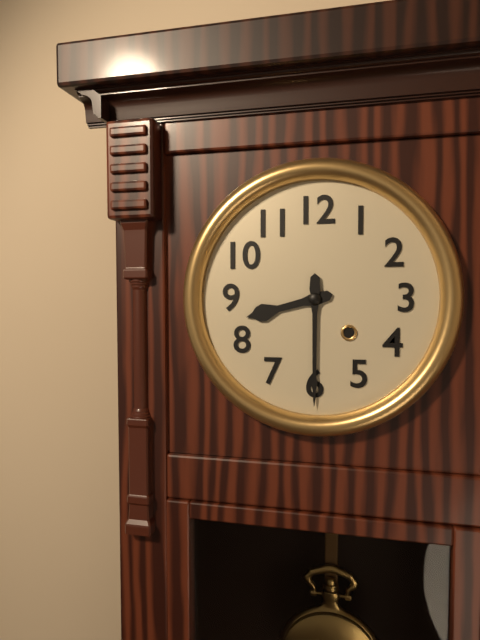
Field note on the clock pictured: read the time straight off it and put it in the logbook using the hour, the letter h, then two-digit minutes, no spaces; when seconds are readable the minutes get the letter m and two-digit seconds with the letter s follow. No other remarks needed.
8h30
